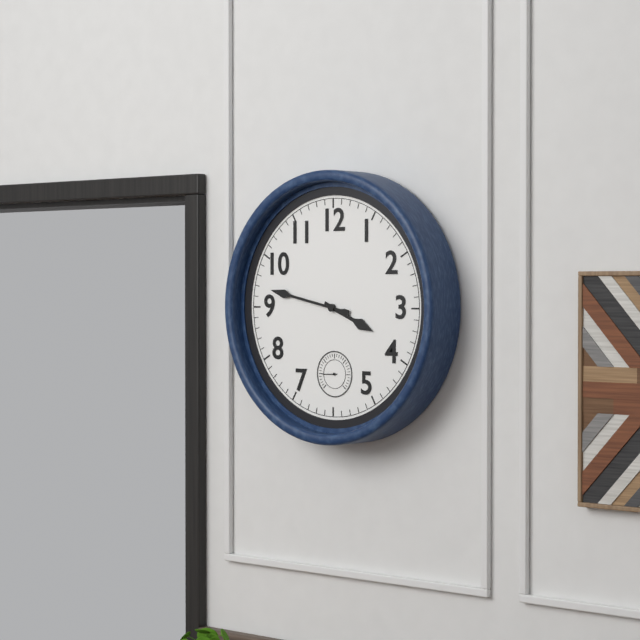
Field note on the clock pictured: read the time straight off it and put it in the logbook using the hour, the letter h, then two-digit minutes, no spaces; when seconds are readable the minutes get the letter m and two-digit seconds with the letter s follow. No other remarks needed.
3h47
